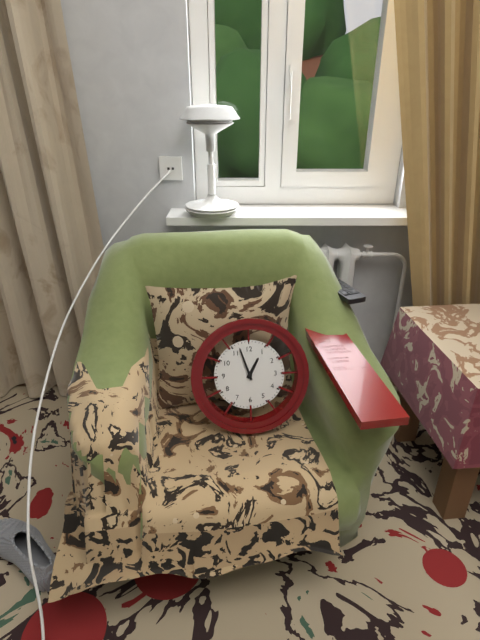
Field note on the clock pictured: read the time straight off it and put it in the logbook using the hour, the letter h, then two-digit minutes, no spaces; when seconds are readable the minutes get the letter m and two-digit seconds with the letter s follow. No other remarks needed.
12h57
